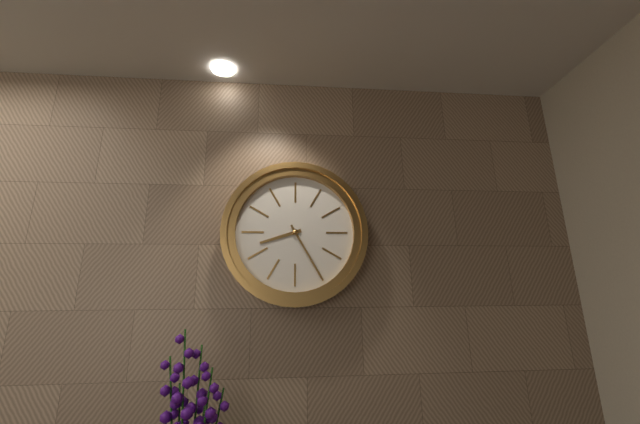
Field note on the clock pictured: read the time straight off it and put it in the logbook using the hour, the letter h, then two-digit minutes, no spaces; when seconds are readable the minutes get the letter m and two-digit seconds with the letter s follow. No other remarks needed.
8h25
